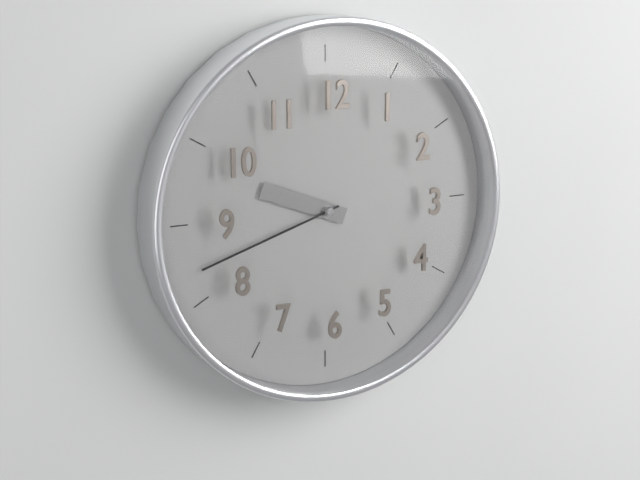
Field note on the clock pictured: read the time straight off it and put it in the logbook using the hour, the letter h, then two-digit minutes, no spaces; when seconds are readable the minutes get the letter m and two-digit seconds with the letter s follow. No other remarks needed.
9h42
